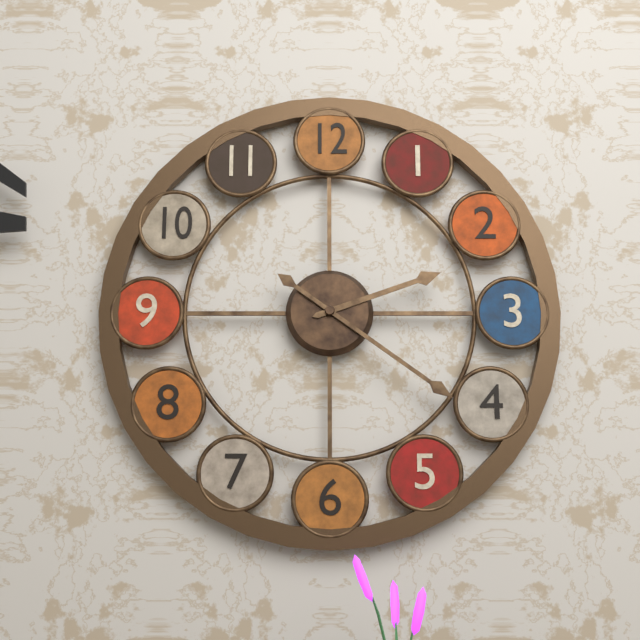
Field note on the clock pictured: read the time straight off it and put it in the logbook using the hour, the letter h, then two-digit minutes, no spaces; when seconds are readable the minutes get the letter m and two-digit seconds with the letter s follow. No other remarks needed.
2h21
